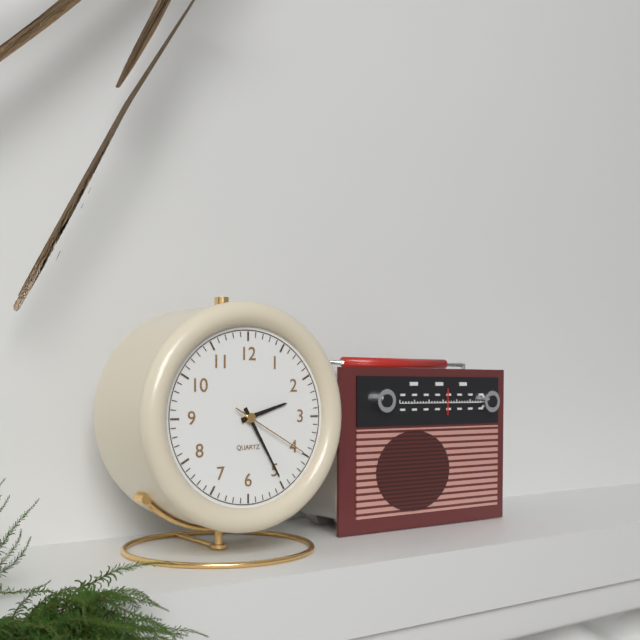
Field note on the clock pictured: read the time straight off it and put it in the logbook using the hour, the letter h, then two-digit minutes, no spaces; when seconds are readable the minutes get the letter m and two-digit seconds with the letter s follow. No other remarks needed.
2h25m20s
